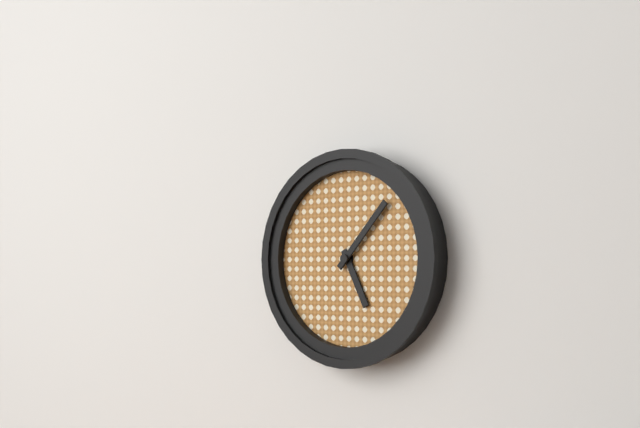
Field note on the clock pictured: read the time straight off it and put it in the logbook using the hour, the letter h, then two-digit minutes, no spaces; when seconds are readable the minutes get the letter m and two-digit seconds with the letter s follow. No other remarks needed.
5h07
